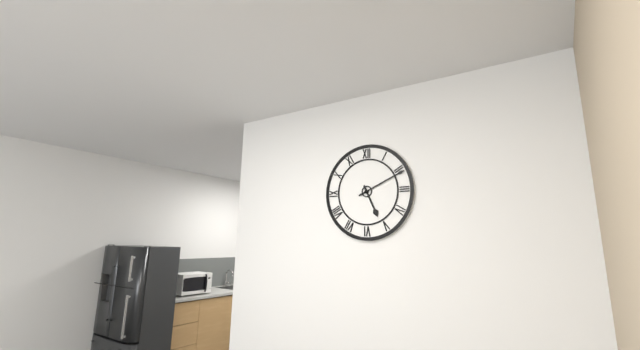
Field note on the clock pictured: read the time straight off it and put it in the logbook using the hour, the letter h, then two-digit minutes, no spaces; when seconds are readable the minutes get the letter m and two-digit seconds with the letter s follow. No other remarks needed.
5h11
